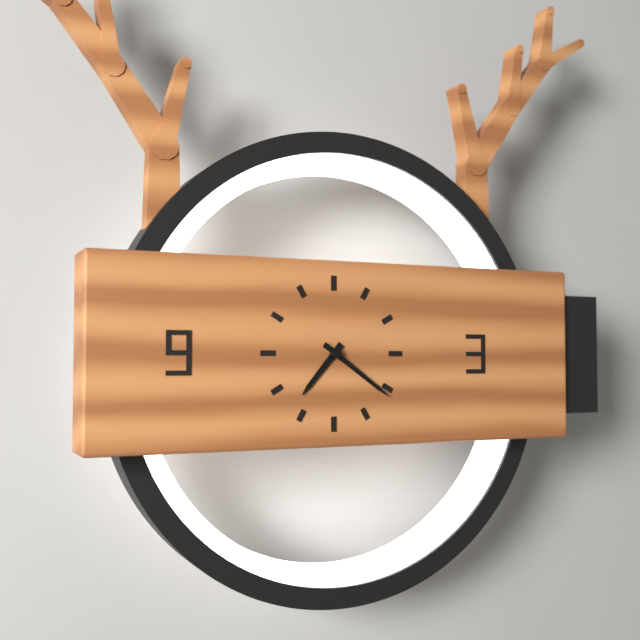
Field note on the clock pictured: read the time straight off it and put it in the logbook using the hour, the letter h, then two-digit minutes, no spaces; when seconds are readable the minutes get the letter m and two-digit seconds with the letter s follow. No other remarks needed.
7h21
